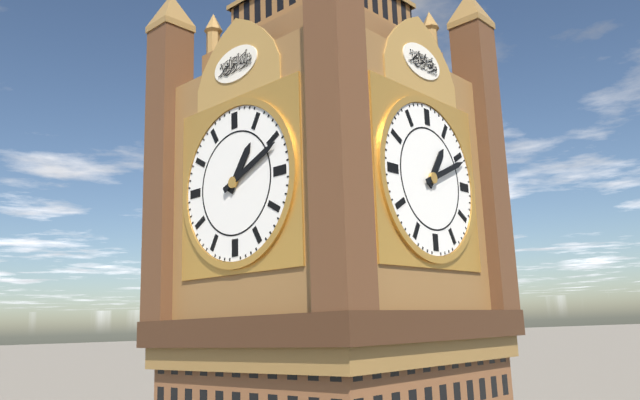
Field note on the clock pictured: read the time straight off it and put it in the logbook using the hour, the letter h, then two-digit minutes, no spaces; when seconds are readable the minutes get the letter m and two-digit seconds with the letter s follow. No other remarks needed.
1h11
